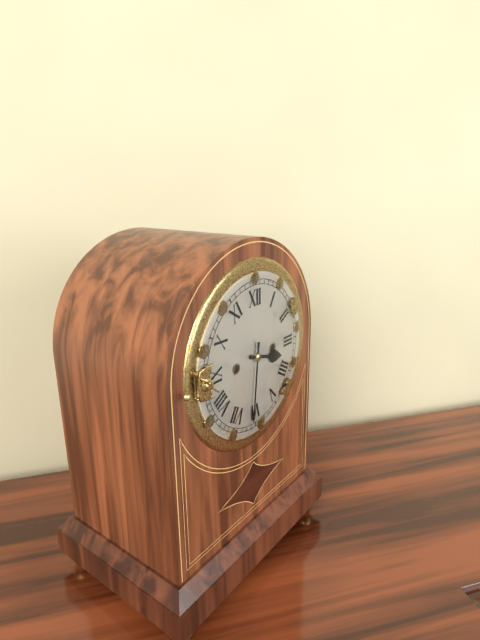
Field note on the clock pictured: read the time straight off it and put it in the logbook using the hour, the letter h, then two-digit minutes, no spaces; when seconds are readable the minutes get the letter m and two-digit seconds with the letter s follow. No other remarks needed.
3h31
